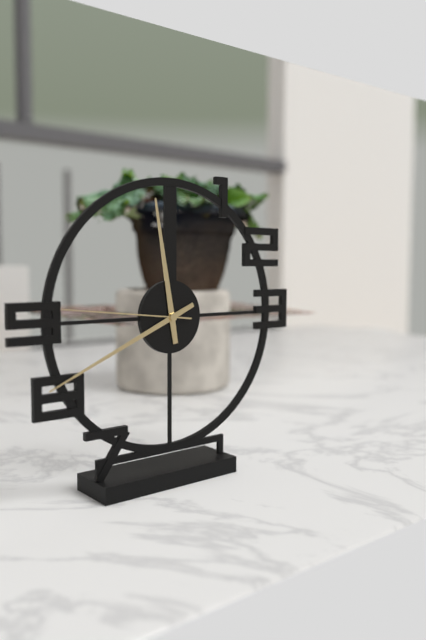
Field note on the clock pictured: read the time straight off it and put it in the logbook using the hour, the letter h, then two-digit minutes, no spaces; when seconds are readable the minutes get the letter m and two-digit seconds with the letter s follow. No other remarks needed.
11h41m46s
